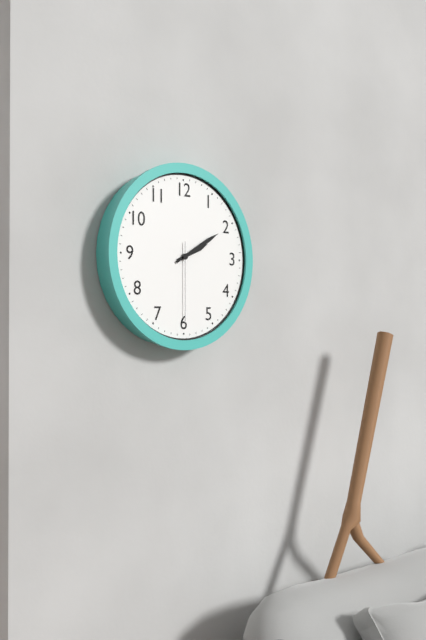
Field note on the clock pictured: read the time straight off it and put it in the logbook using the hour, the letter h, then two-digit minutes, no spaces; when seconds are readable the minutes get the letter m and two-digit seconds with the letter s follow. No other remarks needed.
2h10m30s
